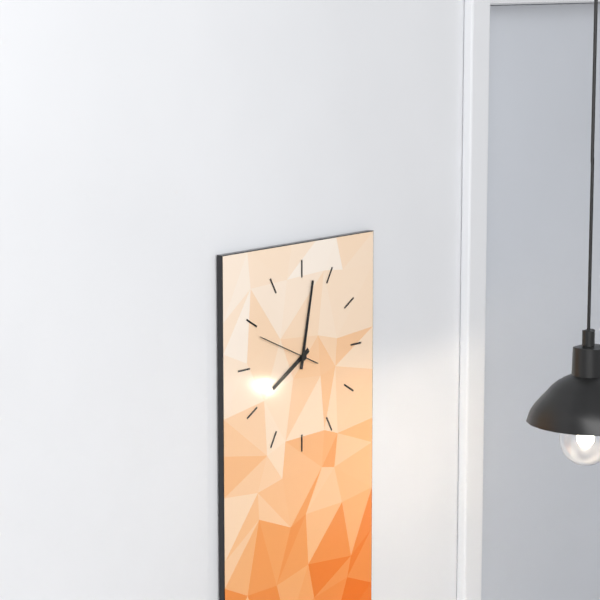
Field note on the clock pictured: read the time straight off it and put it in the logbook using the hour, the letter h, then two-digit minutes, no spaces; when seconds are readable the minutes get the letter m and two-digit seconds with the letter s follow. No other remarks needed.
8h02m49s
